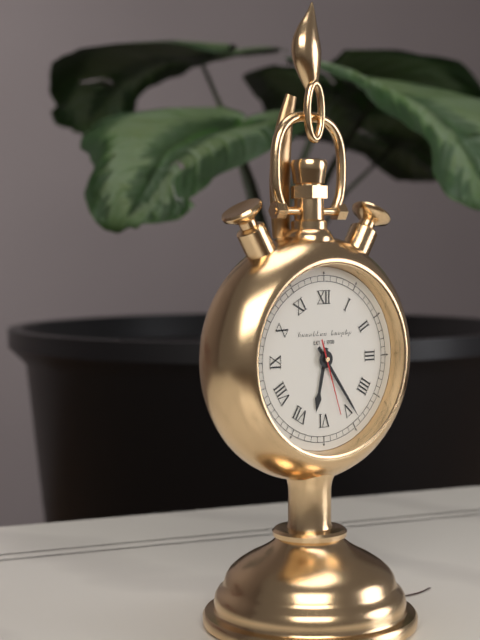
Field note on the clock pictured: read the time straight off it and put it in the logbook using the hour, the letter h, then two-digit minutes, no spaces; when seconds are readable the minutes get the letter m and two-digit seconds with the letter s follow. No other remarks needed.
6h24m27s
